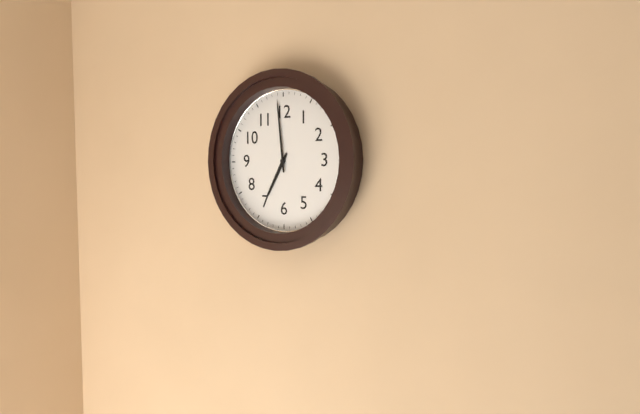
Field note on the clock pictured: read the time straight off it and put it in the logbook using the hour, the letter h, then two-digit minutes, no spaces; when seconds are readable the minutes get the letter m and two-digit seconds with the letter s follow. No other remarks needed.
6h59
